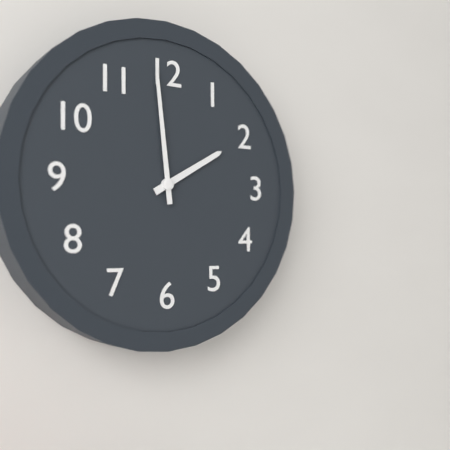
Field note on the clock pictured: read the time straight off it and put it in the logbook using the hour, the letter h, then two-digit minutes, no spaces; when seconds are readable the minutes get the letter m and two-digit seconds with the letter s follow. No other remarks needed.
1h59
